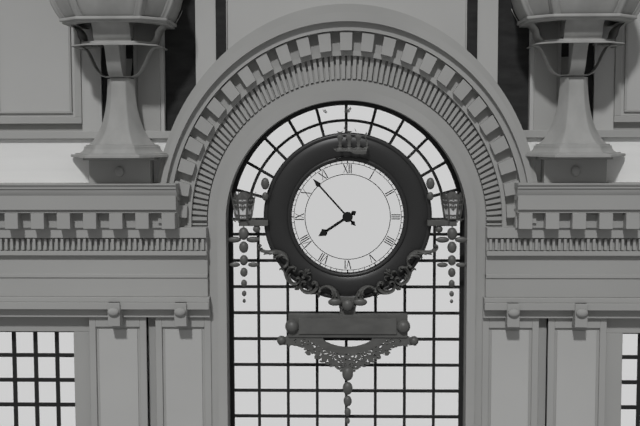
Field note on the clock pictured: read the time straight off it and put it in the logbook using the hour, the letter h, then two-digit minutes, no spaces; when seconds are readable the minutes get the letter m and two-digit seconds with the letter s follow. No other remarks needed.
7h53
